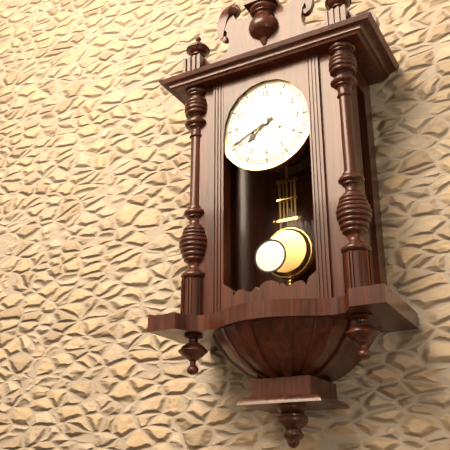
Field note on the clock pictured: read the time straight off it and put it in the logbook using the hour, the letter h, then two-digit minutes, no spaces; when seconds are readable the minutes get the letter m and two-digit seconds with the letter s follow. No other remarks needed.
7h41
